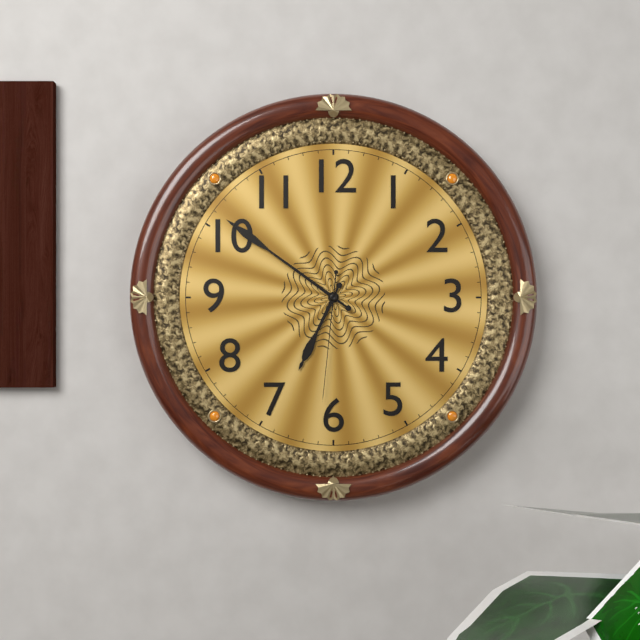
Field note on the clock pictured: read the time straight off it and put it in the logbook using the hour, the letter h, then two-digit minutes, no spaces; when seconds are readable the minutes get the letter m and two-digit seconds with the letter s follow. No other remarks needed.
6h51m31s
